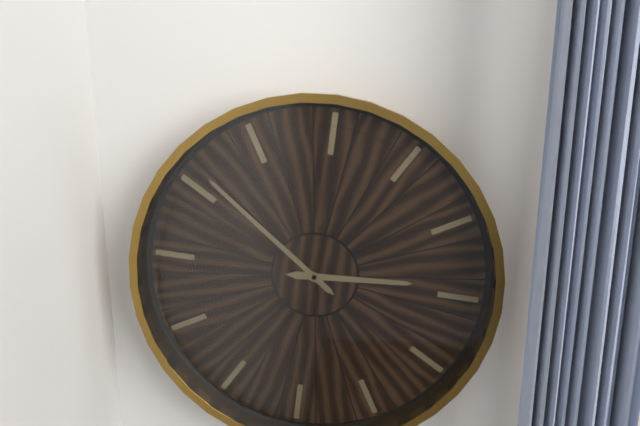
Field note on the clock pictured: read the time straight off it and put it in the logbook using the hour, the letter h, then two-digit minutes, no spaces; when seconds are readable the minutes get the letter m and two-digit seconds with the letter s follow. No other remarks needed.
2h51
